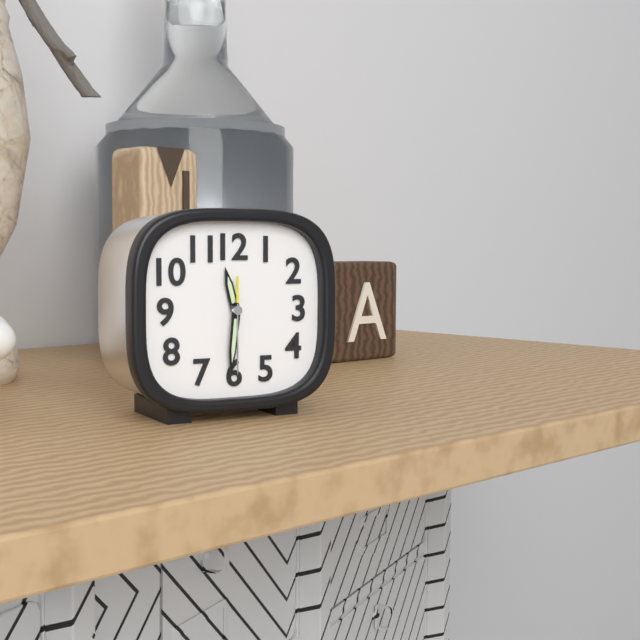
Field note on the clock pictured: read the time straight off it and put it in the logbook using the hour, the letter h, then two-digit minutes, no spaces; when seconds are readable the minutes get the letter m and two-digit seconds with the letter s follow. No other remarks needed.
11h31m30s
